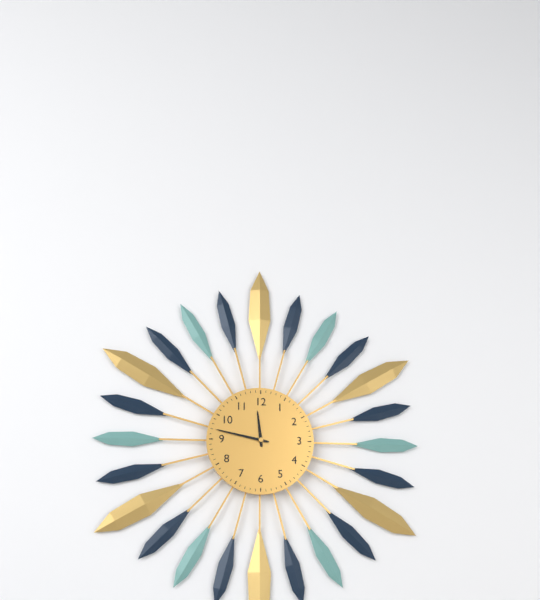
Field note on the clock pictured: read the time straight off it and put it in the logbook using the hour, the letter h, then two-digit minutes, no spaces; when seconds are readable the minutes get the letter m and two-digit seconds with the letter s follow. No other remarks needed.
11h47
